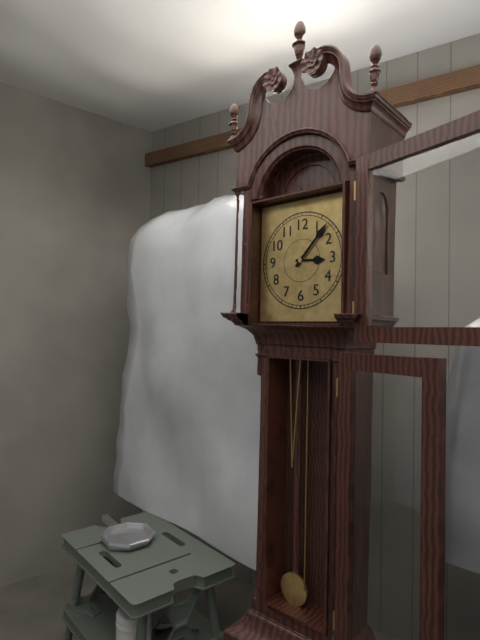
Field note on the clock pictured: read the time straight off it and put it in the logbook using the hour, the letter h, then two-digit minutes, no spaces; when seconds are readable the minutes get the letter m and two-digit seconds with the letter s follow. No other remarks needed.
3h07
